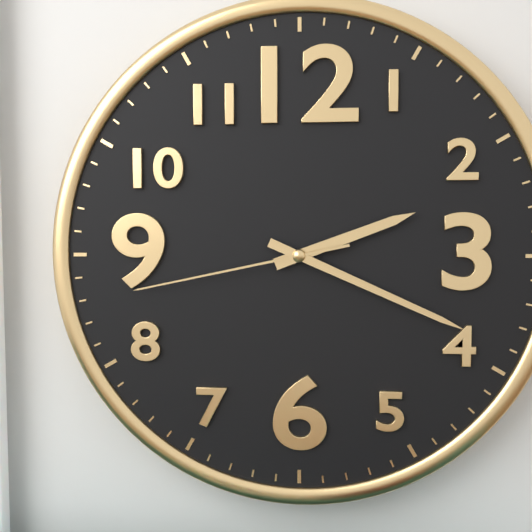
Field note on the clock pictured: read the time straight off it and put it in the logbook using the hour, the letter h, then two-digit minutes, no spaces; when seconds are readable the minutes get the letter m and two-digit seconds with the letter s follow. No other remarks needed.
2h19m43s
